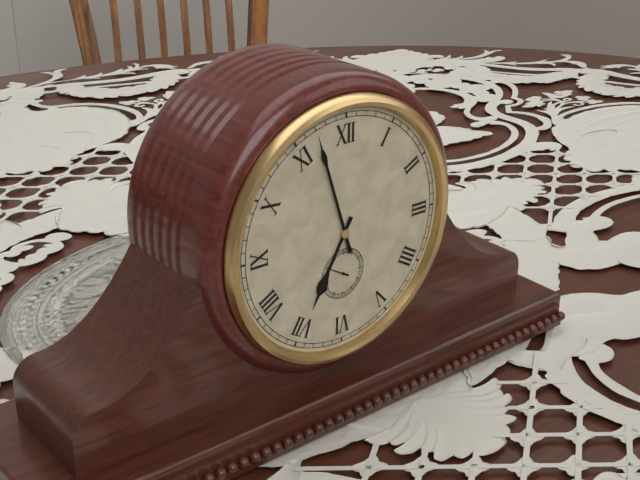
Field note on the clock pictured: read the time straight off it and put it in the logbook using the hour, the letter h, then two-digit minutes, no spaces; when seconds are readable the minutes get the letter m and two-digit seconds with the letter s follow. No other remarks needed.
6h57
